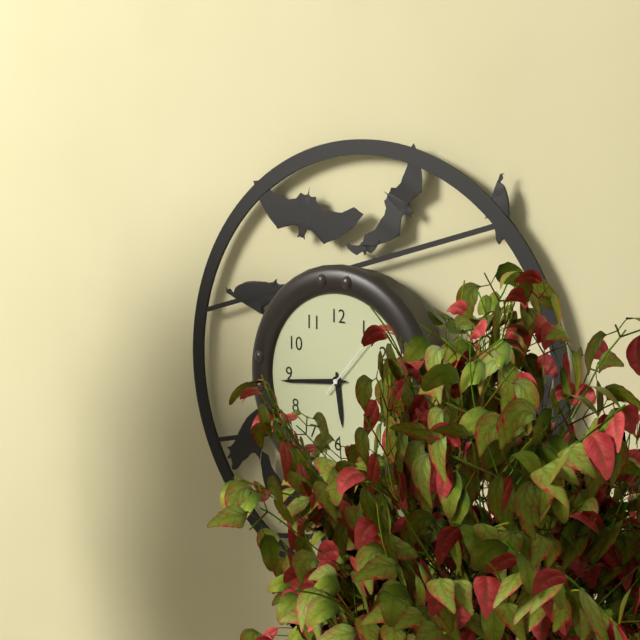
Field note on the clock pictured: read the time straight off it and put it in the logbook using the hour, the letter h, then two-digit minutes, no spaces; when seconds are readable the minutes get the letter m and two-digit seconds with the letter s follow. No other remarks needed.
5h44m07s
